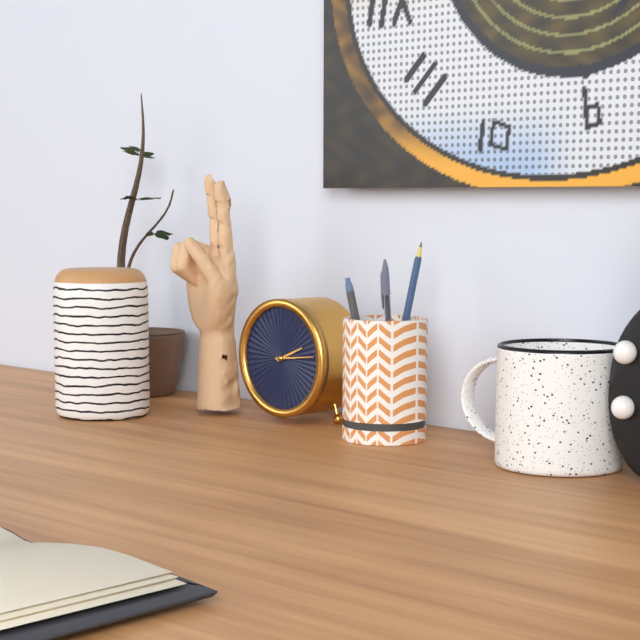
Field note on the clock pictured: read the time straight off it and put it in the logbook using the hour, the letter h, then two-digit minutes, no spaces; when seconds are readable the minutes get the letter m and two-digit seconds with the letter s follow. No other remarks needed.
2h14
